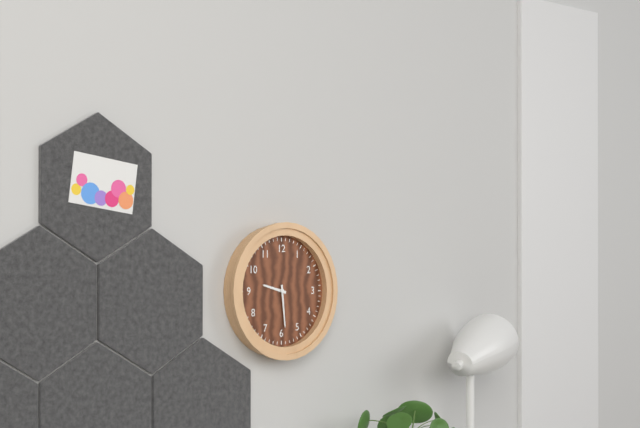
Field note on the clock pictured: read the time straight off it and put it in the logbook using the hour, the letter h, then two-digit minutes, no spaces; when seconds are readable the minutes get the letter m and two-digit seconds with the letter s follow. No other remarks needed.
9h29
